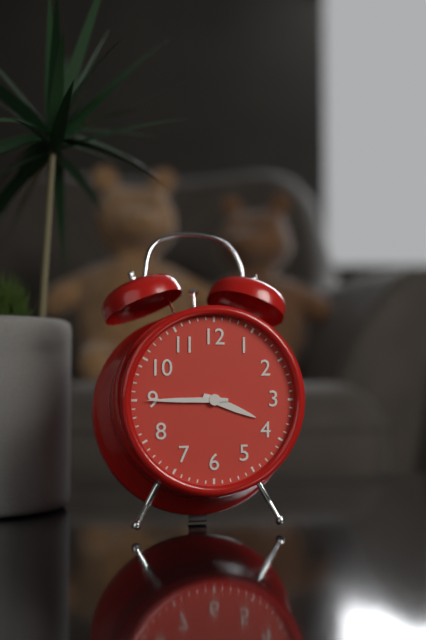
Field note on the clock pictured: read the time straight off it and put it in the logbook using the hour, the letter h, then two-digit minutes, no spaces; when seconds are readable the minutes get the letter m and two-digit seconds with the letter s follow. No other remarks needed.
3h45
